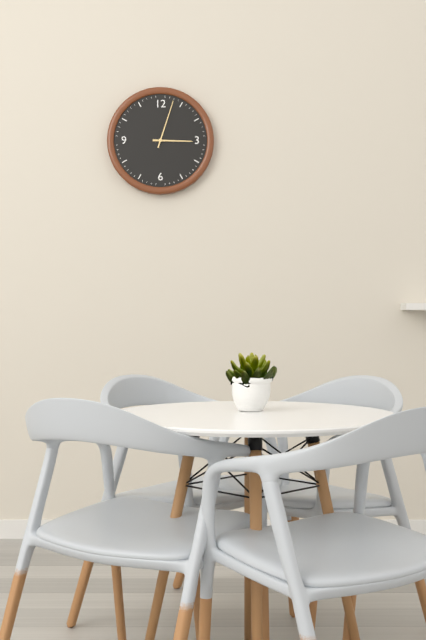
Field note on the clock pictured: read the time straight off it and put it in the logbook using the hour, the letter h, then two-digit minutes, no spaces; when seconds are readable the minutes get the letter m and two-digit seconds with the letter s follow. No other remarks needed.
3h03
